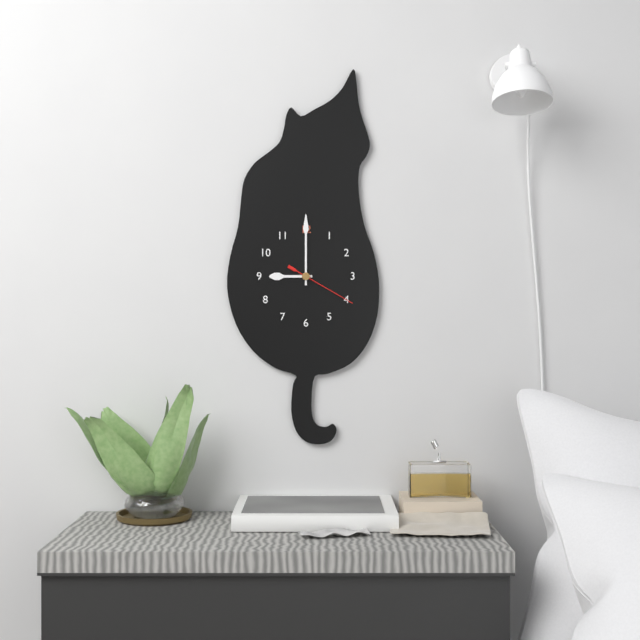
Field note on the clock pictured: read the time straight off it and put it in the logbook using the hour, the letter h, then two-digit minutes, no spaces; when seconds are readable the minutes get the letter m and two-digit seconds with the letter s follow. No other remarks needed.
9h00m20s
